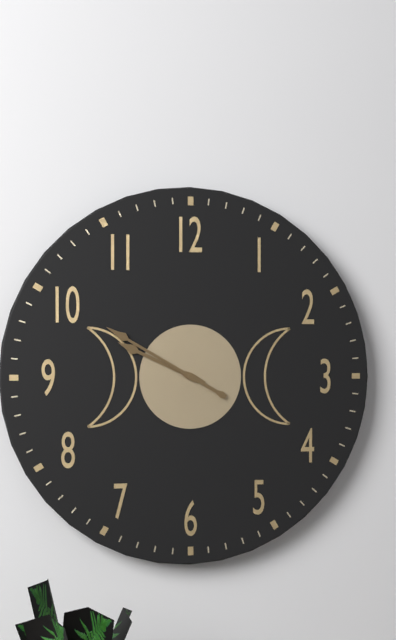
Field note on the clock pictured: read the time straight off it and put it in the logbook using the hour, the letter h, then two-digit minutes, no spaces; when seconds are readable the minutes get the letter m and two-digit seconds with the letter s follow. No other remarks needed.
9h50
